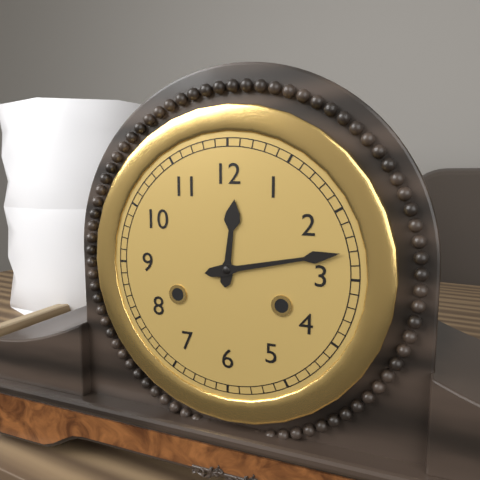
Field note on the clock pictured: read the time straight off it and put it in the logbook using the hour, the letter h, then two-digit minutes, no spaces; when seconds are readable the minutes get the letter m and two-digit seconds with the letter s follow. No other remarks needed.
12h13
